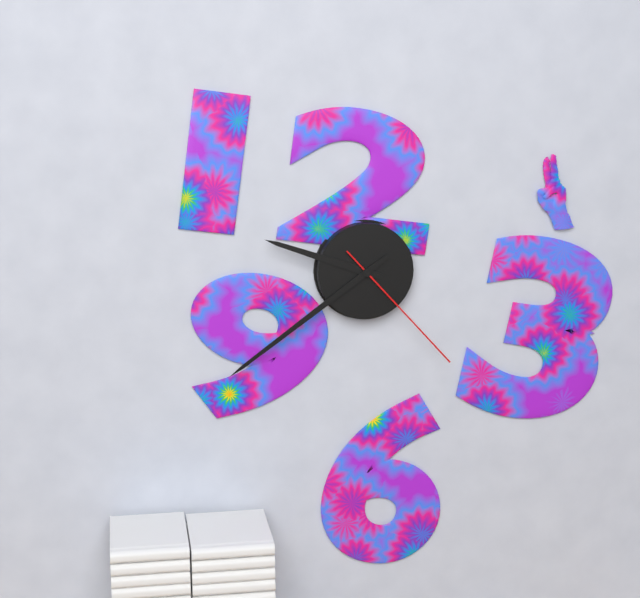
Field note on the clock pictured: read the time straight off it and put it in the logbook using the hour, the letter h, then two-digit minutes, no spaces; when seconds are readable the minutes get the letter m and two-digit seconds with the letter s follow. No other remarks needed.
9h39m23s
